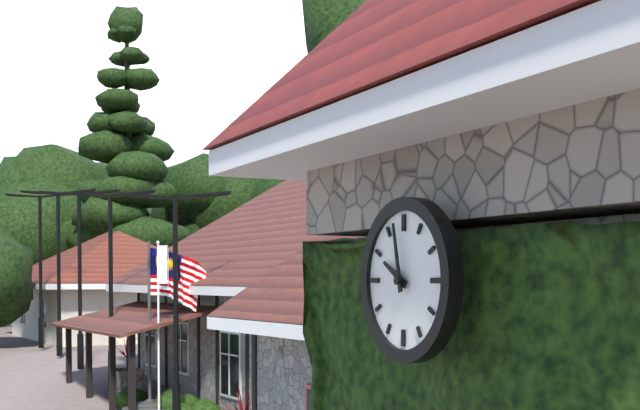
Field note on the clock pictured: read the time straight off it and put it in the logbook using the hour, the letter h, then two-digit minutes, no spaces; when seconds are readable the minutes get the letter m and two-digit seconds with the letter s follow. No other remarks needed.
9h58
